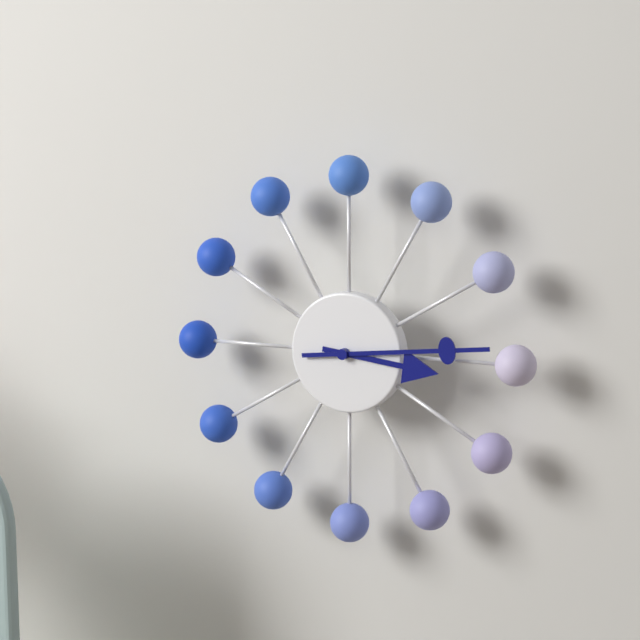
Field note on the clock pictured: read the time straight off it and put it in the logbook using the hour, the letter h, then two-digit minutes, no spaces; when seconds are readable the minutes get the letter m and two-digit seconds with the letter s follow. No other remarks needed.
3h14
